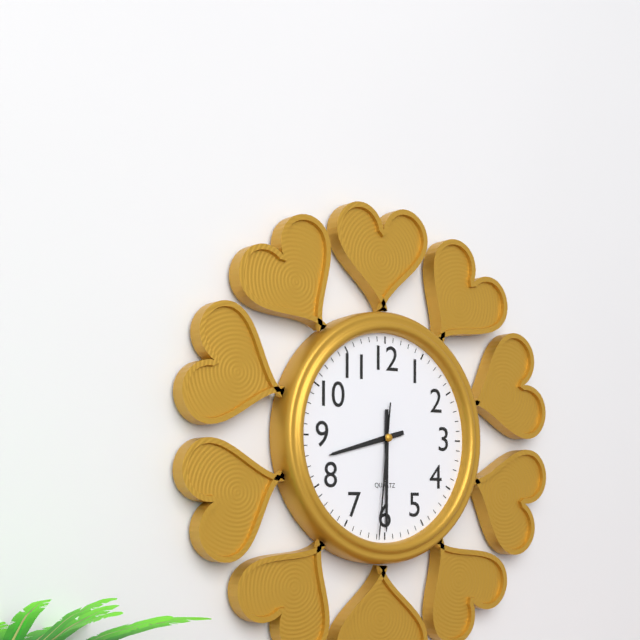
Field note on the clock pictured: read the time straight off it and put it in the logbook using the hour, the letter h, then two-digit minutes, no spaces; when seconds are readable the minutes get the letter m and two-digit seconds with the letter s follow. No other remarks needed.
8h30m31s
